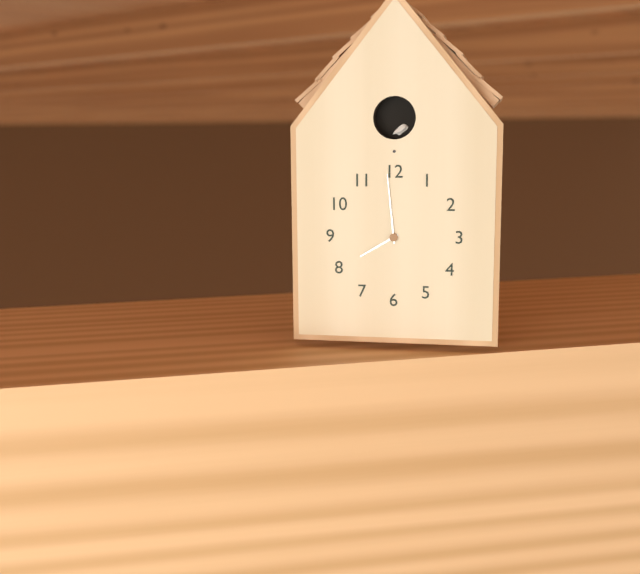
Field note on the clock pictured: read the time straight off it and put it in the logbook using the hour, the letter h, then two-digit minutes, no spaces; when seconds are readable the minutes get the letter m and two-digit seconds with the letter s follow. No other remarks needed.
7h59
